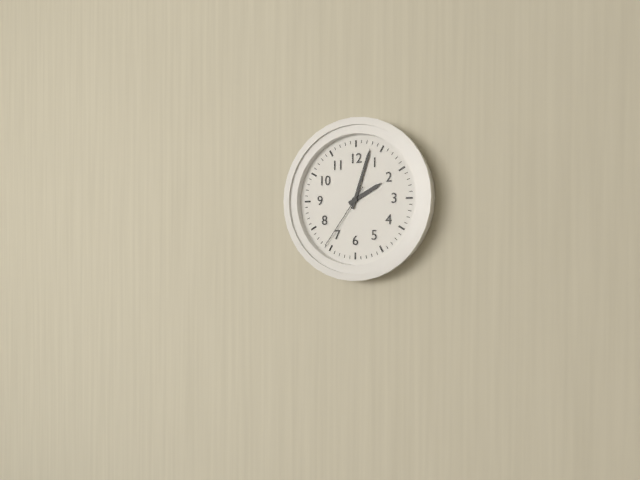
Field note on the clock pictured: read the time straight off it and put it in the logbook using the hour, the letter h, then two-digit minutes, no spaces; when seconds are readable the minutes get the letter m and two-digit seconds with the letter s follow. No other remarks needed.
2h03m36s
